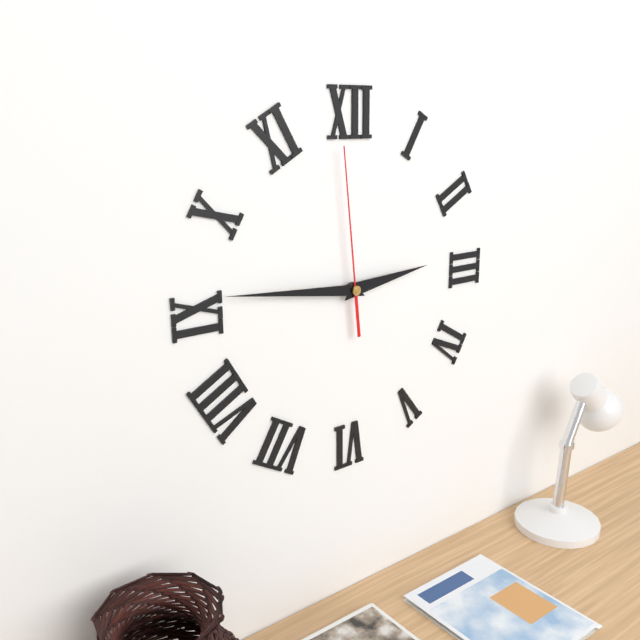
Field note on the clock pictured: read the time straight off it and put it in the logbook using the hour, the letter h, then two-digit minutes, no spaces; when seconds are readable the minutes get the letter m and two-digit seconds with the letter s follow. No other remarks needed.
2h46m59s
